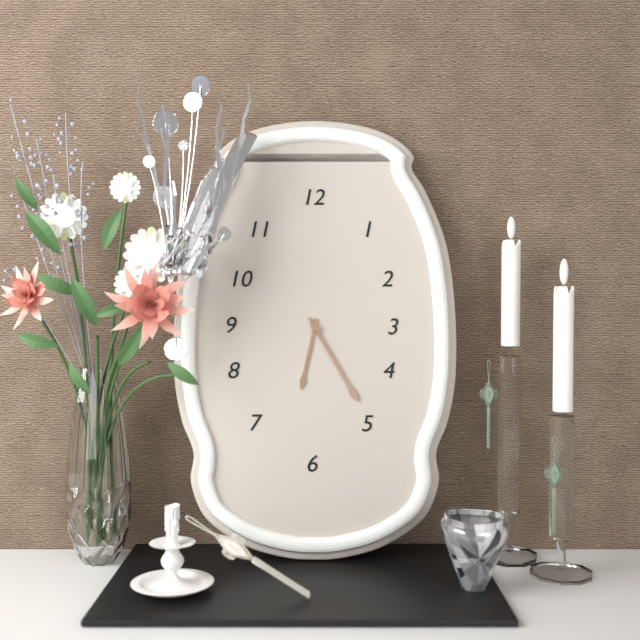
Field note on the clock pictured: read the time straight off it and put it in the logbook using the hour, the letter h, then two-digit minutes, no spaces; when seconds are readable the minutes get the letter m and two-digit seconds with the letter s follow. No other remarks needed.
6h25
